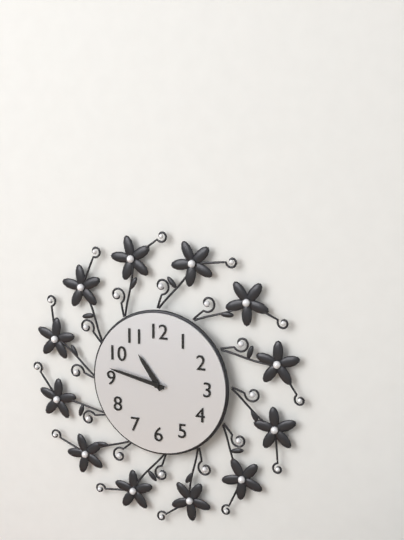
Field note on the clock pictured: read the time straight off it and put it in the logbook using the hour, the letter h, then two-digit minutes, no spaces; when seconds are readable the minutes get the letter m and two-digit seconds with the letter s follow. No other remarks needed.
10h47
